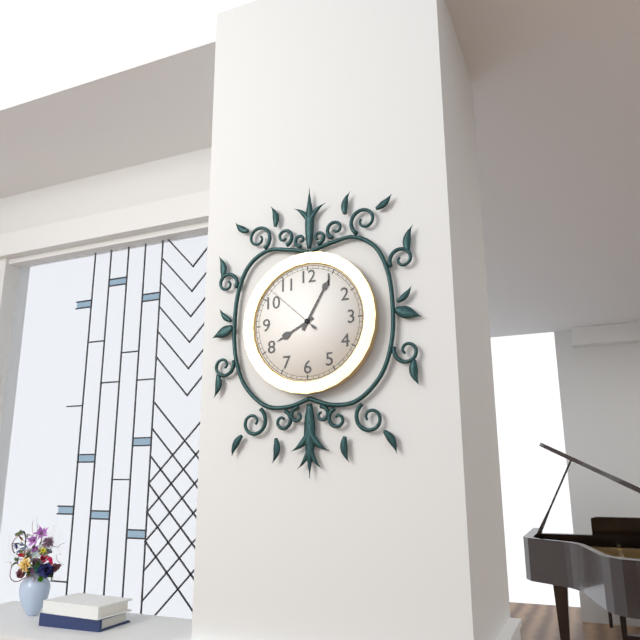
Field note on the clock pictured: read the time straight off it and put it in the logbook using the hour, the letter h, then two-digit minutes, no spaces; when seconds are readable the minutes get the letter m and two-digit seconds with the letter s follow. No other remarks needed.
8h05m52s
